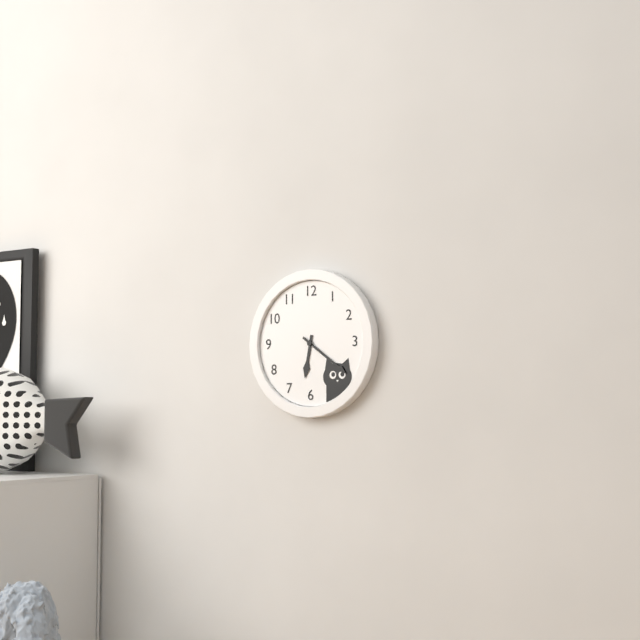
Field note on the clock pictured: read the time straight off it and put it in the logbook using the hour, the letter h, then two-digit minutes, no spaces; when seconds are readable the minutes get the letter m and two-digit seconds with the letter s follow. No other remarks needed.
6h21
